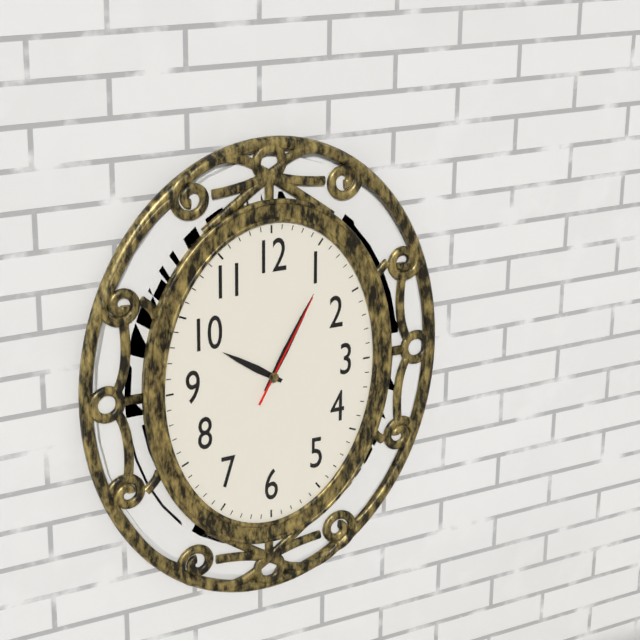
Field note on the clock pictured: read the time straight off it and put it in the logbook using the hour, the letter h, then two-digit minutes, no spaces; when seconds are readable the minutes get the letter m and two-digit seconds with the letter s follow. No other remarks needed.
10h05m05s
